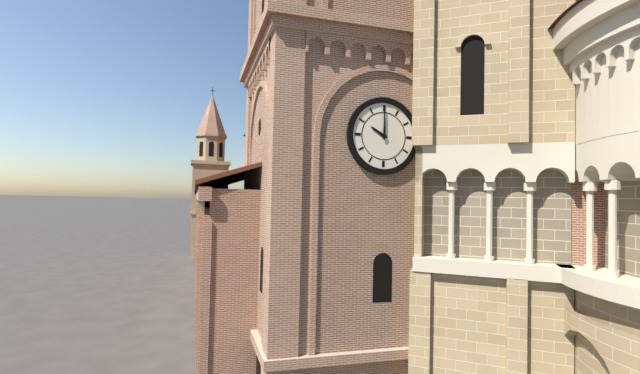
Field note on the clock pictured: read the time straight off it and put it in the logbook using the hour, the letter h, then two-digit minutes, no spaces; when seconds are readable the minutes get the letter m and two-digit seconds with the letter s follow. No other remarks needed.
10h00
